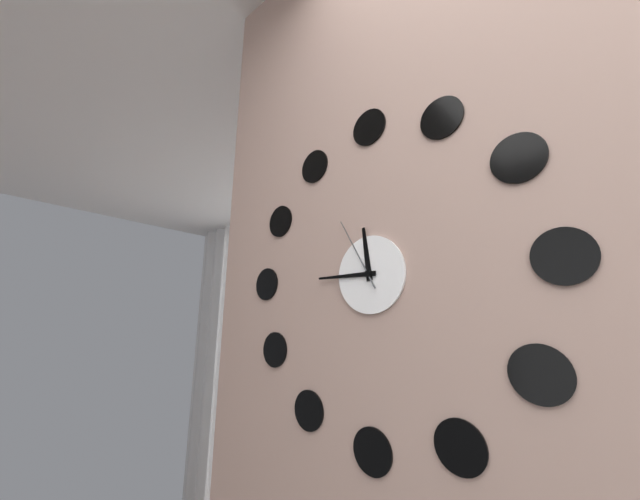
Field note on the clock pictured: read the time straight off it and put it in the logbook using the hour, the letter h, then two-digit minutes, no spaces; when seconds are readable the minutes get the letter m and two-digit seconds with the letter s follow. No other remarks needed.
11h45m55s
